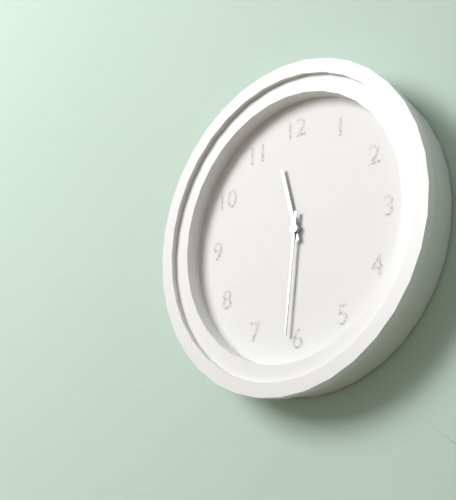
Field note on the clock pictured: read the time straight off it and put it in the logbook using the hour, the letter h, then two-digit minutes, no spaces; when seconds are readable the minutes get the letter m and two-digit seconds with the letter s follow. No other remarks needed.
11h31
